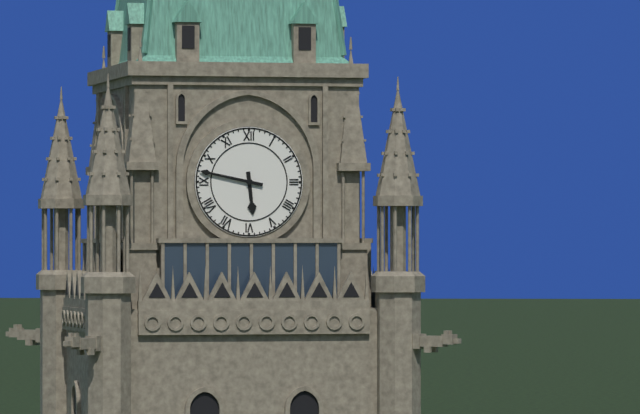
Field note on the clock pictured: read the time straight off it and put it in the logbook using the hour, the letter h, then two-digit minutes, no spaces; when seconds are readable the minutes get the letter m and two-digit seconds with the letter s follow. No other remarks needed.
5h47
